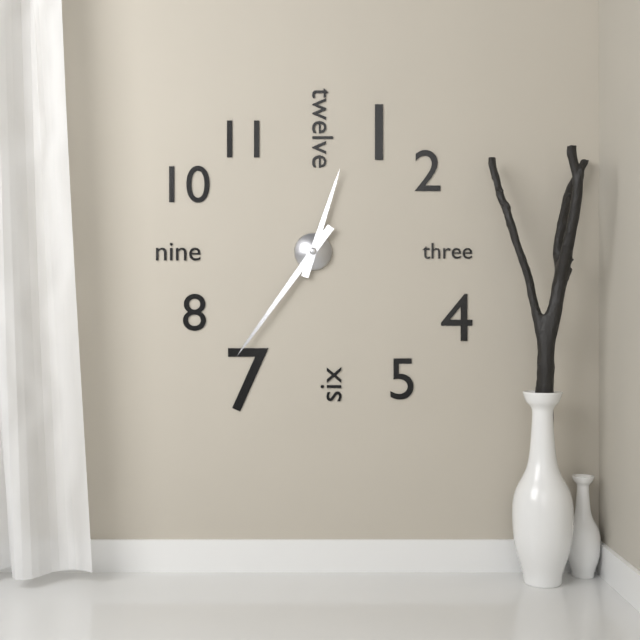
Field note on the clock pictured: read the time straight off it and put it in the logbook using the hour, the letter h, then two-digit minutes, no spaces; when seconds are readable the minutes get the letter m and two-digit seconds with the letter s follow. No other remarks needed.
12h36
